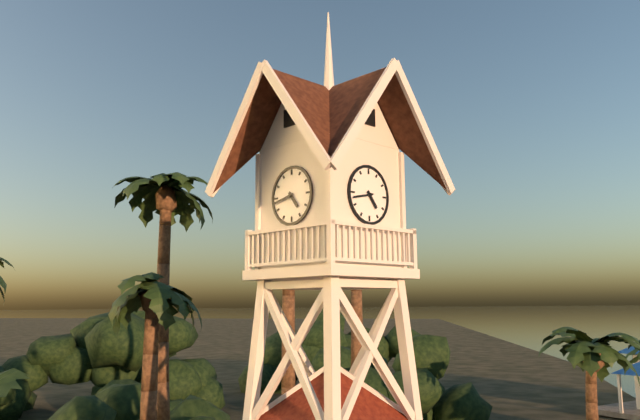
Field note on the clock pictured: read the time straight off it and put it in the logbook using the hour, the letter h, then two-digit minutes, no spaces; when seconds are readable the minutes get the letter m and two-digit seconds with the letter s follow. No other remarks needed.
4h43
